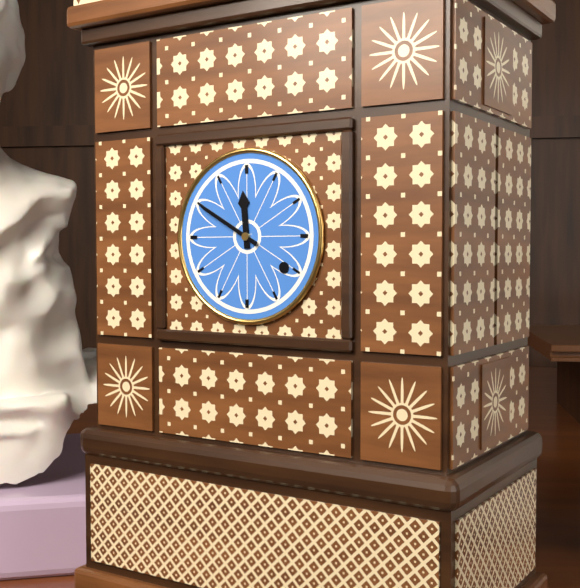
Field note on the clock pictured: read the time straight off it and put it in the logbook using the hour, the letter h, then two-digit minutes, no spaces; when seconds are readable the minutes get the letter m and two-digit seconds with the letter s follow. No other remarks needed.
11h50
